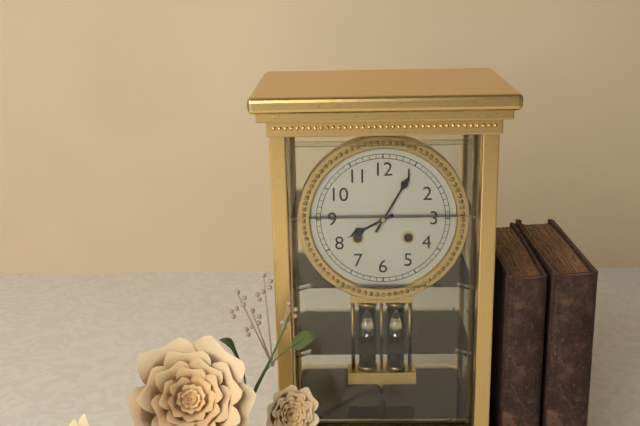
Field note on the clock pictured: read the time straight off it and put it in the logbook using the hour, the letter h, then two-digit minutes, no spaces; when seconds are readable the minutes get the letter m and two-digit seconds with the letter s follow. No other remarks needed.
8h05
